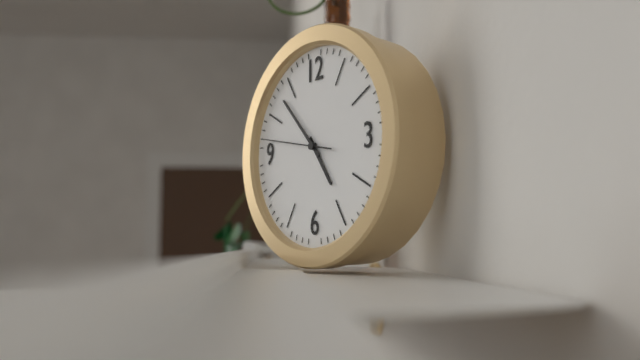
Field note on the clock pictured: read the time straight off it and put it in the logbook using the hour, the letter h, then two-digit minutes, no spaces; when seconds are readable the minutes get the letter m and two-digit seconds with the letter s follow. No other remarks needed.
4h53m47s
